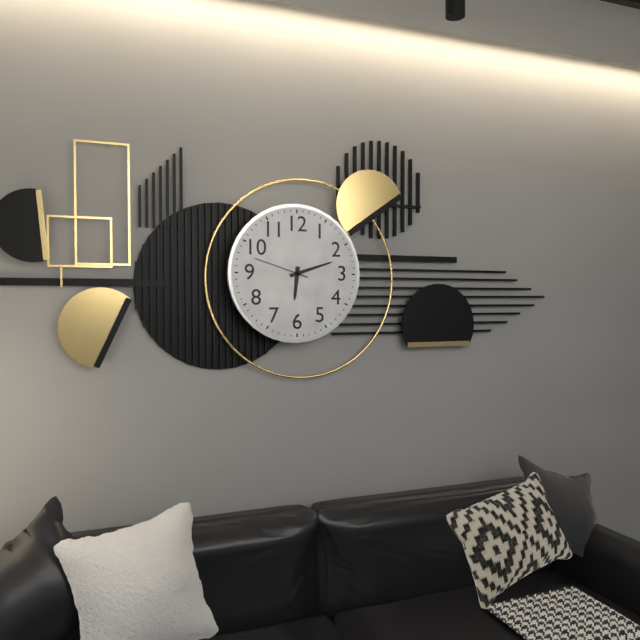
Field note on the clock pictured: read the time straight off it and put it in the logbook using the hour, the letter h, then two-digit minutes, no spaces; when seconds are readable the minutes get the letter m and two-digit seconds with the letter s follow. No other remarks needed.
6h12m48s
